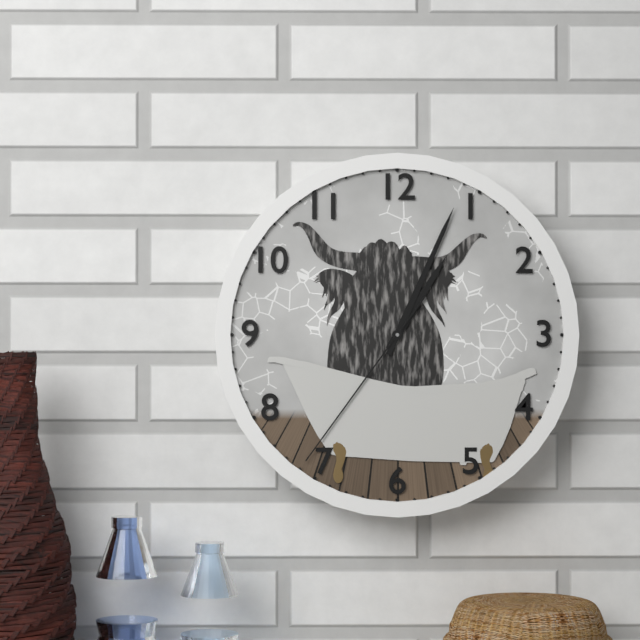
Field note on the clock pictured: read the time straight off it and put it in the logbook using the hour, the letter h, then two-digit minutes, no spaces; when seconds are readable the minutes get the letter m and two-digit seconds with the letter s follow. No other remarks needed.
1h04m36s
